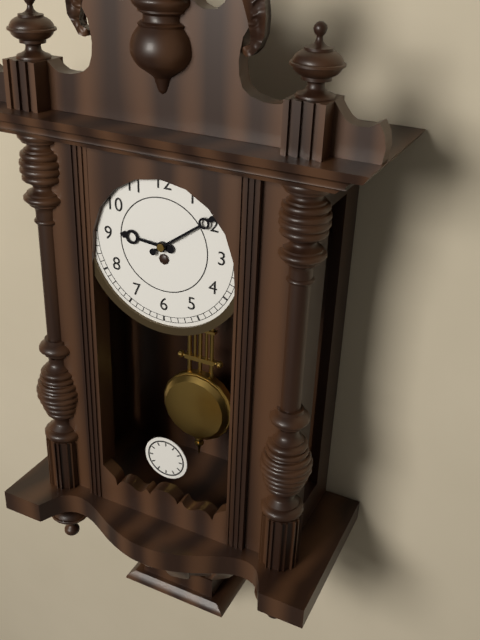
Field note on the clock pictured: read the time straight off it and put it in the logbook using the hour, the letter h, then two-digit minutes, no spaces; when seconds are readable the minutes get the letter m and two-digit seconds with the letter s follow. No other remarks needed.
9h09
